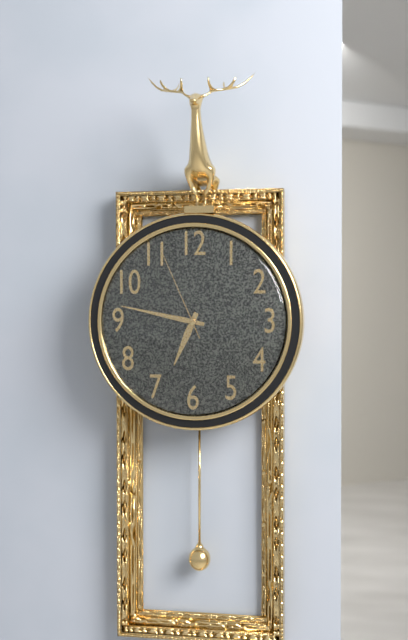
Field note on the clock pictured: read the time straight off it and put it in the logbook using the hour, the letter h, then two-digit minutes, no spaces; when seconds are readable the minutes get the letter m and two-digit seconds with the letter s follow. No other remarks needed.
6h47m56s
